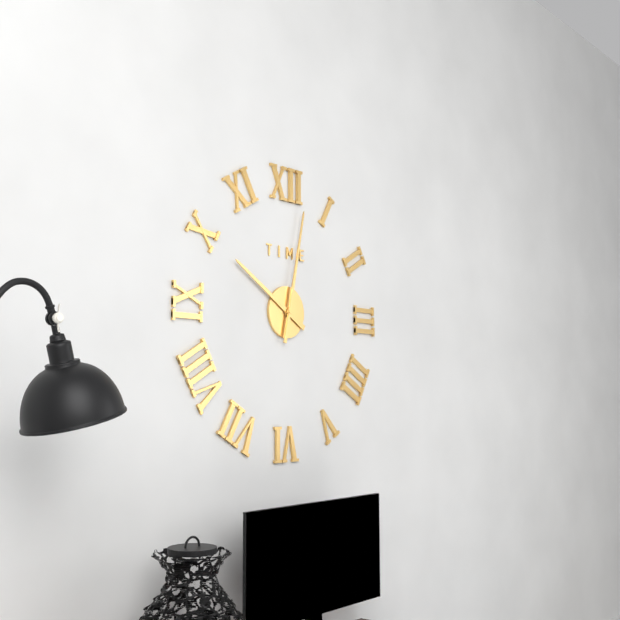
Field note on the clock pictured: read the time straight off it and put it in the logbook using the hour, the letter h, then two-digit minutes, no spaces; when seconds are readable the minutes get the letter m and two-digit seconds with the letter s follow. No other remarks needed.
10h02
